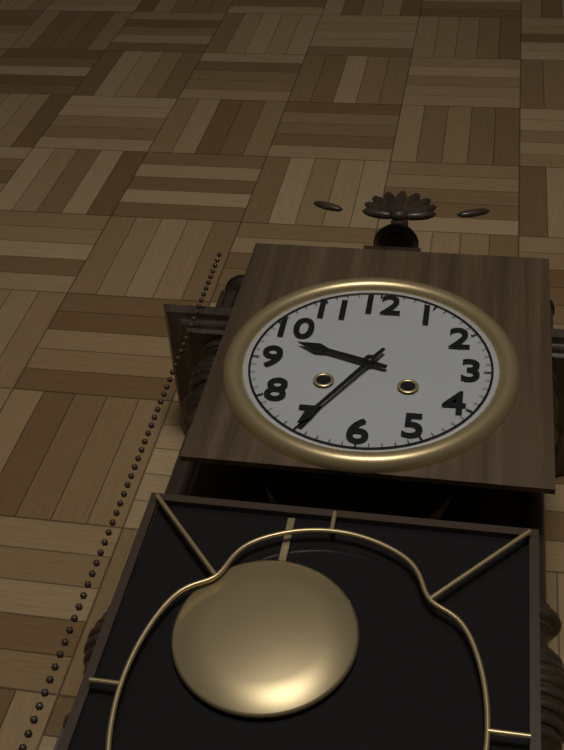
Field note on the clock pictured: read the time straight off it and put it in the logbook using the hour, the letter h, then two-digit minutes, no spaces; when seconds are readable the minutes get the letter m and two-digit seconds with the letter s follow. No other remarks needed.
9h35
